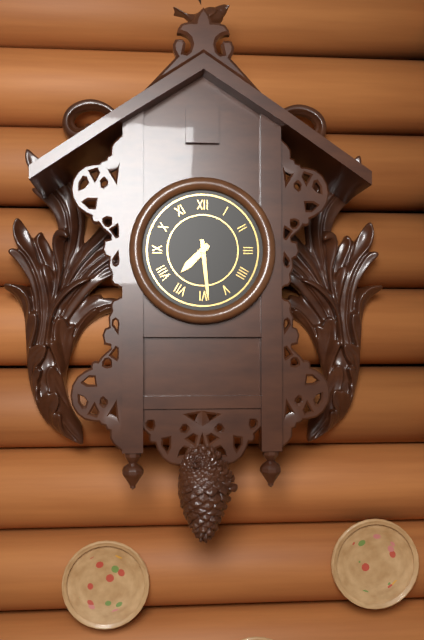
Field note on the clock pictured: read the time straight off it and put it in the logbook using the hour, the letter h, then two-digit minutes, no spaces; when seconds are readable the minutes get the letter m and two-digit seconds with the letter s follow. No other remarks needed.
7h29
